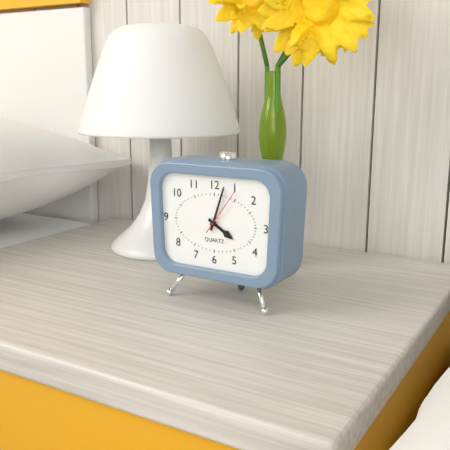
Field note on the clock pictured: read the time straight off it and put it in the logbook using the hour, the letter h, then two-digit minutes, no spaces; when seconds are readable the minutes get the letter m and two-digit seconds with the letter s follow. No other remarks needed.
4h03
